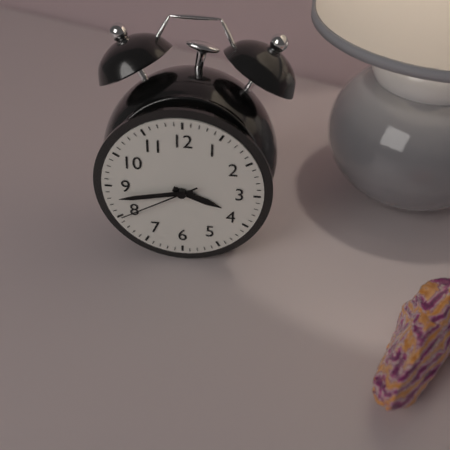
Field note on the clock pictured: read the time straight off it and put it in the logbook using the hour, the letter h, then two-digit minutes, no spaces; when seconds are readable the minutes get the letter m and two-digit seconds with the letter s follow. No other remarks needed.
3h43m40s
